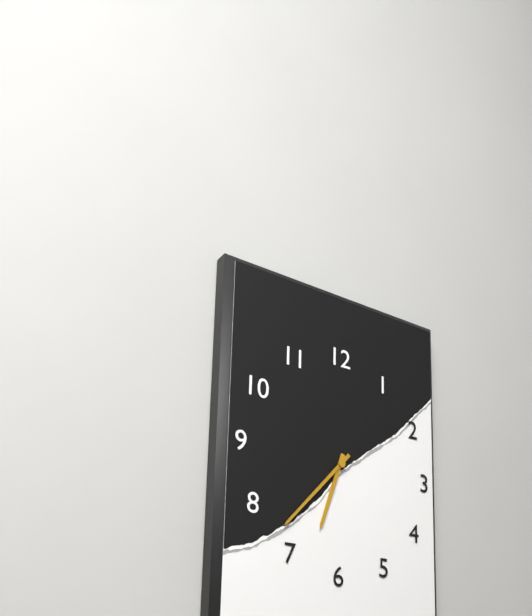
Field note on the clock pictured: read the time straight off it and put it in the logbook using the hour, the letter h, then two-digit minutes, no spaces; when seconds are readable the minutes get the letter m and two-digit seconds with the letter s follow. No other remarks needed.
6h37
